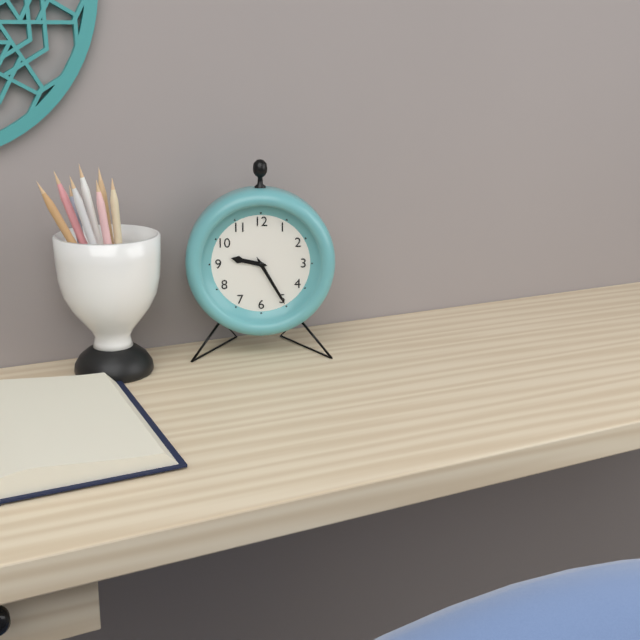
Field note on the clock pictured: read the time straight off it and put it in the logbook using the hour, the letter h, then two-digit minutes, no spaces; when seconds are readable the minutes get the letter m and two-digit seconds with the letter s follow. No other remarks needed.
9h25
